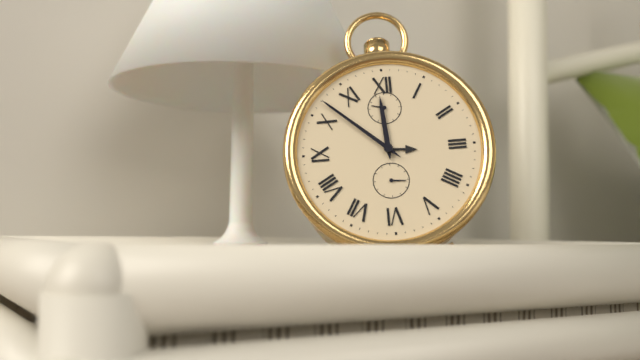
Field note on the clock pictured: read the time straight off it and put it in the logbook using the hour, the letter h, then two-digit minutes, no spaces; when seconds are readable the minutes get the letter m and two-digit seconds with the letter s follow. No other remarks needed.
11h52
